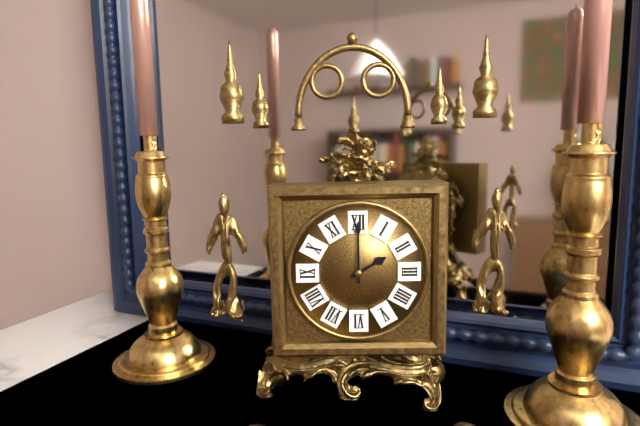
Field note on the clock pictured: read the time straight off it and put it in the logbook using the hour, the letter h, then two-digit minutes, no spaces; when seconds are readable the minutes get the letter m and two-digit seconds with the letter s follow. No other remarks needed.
2h00
